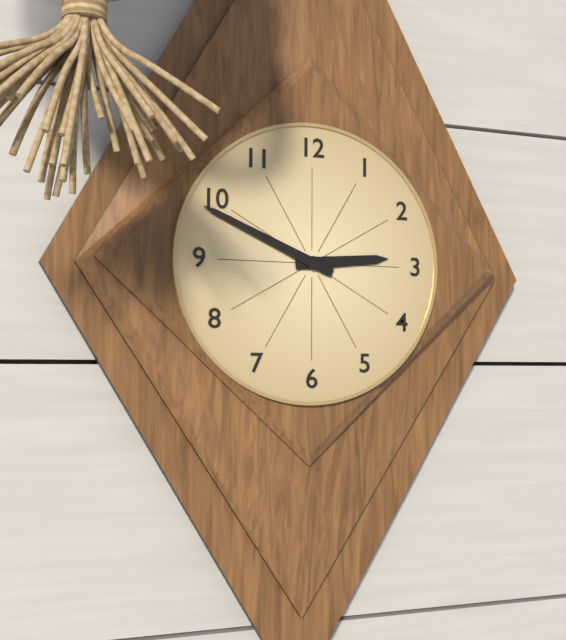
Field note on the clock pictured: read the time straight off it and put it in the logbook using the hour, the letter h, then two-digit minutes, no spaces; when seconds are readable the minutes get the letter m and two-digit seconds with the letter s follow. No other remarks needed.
2h49
